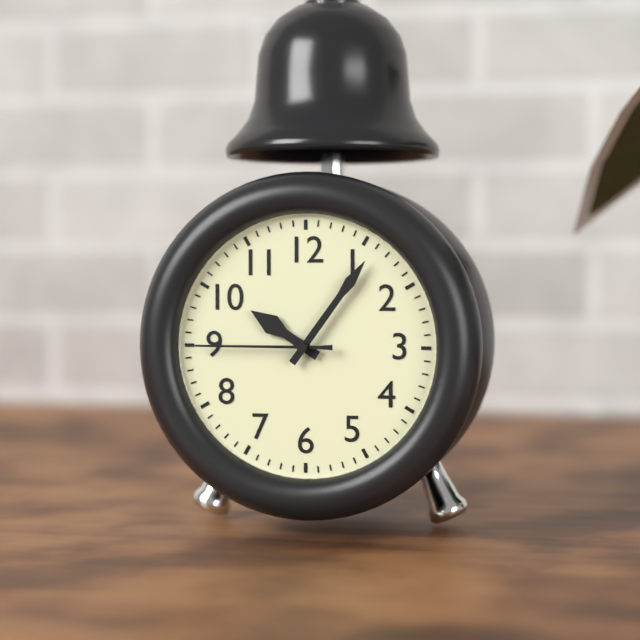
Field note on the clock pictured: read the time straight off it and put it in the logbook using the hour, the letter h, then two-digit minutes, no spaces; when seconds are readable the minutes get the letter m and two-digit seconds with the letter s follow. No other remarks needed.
10h06m45s
